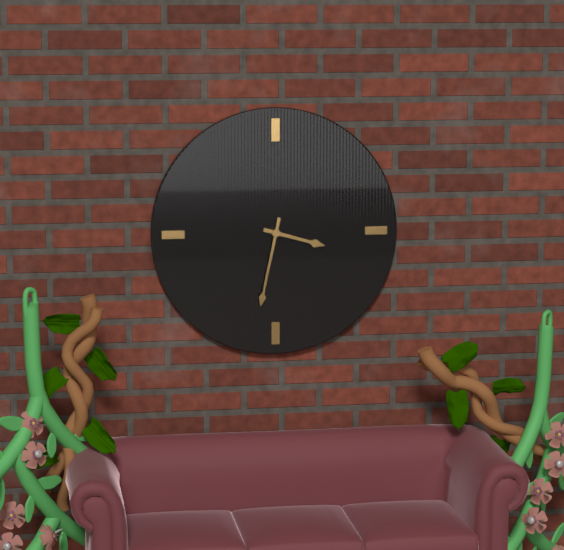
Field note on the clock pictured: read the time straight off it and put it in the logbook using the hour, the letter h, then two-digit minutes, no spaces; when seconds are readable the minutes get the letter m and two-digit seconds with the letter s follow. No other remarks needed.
3h32
